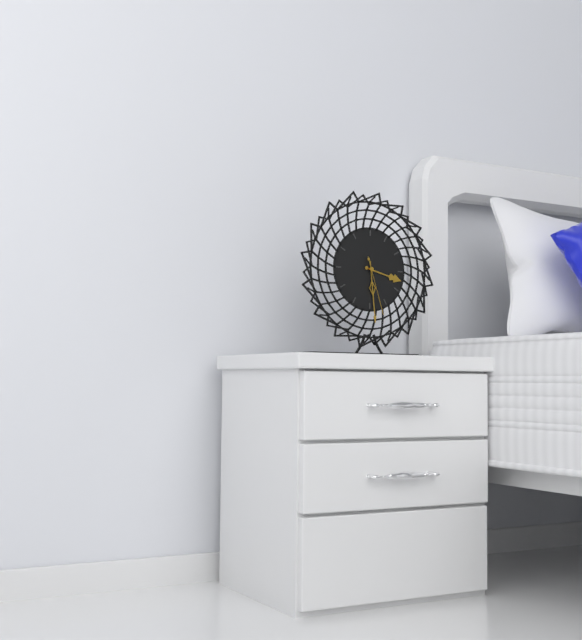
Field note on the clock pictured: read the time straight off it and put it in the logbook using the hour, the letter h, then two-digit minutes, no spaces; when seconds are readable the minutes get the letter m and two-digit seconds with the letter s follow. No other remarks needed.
3h29m27s
